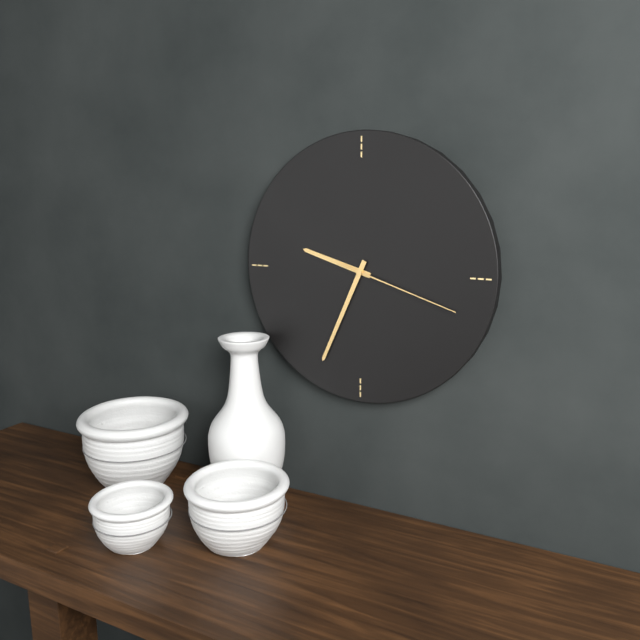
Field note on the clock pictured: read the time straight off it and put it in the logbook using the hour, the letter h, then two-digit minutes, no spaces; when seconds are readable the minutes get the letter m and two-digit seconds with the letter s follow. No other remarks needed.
9h34m18s
